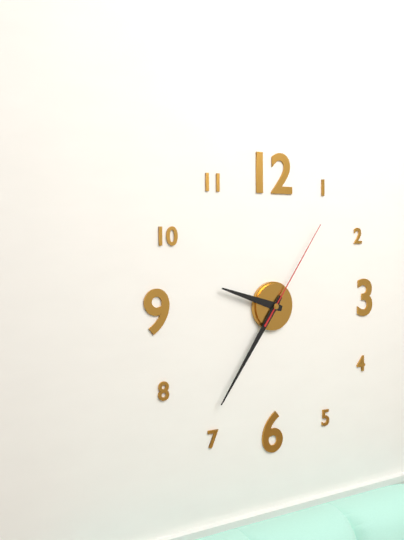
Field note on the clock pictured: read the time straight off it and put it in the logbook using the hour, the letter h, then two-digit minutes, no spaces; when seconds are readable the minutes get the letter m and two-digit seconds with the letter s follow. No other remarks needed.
9h36m06s
